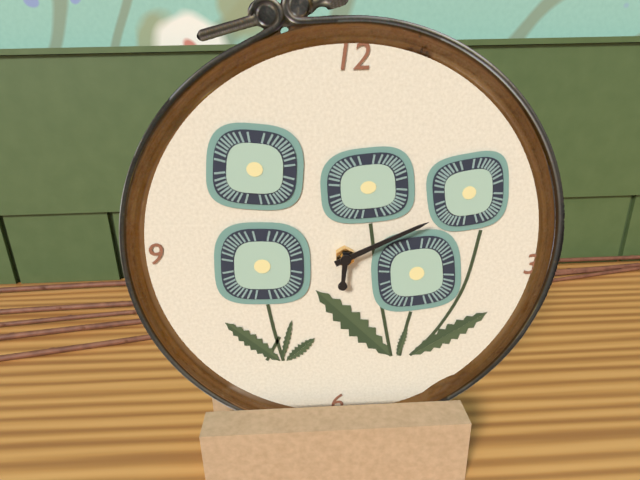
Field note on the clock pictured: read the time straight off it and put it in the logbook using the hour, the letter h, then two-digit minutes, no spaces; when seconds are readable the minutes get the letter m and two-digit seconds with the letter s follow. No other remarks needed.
6h11
